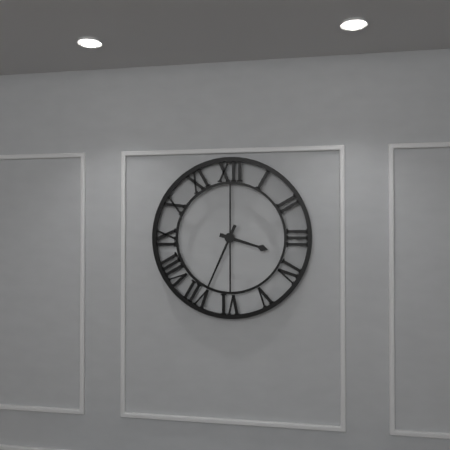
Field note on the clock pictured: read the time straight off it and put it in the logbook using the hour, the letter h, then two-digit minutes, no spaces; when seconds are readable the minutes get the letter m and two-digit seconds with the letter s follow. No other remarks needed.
3h34
